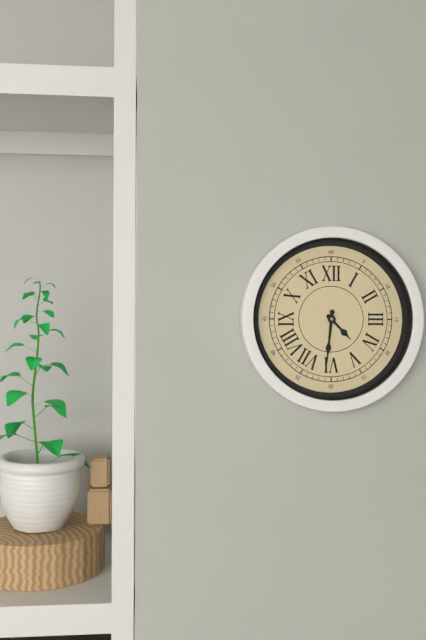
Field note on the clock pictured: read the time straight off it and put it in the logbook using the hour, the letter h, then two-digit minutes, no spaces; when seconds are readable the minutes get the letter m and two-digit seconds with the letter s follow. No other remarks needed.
4h31
